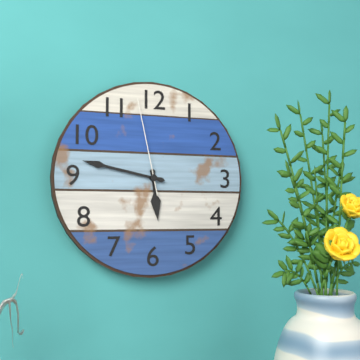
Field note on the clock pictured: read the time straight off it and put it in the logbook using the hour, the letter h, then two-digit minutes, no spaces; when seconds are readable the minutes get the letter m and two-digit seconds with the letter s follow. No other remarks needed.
5h47m58s
